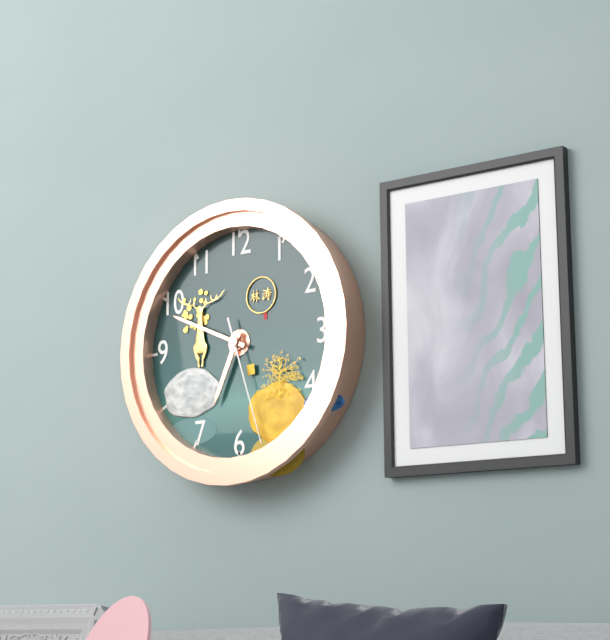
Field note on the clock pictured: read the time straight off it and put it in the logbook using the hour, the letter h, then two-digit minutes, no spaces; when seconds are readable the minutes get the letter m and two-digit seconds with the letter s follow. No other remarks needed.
6h49m27s
